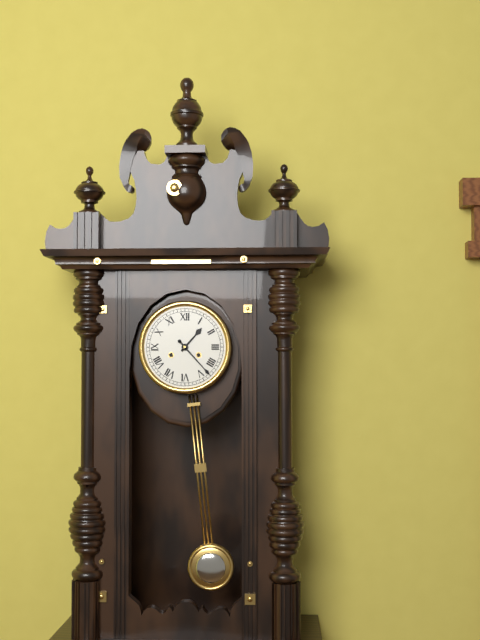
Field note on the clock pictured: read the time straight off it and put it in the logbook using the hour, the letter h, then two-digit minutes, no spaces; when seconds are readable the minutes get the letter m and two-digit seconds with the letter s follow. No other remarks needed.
1h23
